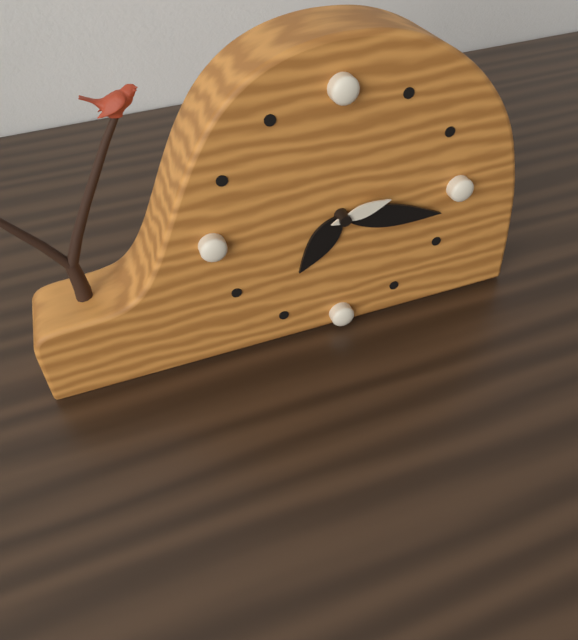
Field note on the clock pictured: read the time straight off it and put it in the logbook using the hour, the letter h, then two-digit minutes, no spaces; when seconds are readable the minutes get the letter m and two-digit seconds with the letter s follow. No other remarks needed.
7h17m13s
